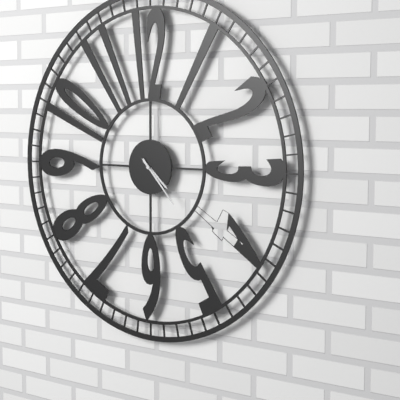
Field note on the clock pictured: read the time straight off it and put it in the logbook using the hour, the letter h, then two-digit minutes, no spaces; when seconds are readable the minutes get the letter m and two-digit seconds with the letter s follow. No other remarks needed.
4h23
